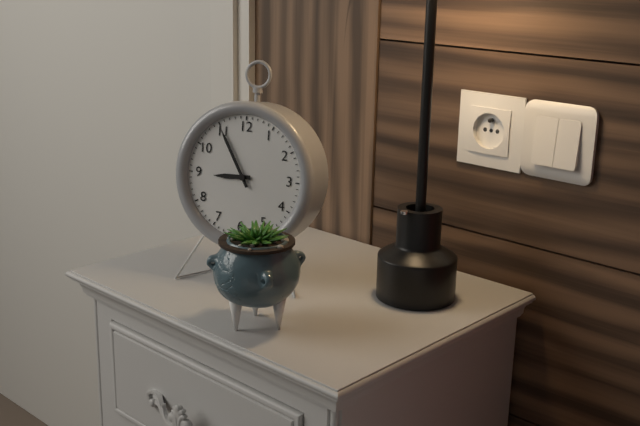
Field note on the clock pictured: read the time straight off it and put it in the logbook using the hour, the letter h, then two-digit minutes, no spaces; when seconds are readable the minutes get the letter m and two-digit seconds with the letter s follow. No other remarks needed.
8h55
